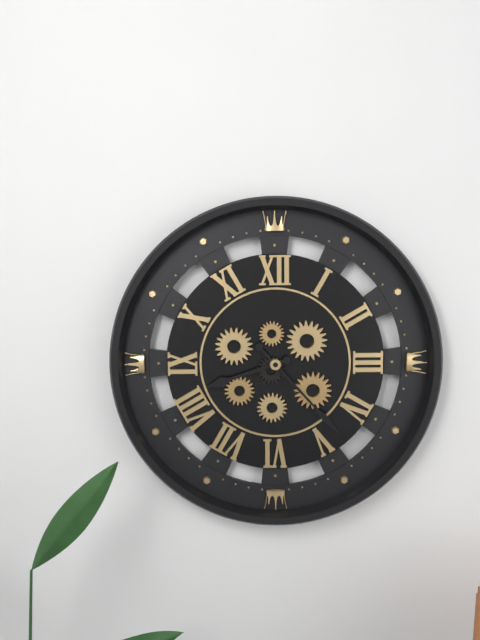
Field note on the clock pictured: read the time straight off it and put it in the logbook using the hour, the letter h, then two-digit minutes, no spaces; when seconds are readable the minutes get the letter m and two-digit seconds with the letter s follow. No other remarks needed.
8h23
